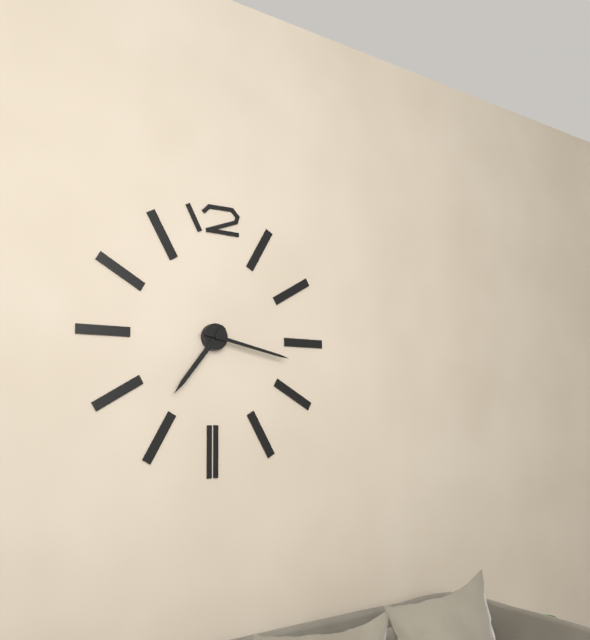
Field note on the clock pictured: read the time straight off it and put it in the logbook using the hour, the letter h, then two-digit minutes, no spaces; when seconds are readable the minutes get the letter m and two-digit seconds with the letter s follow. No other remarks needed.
7h17
